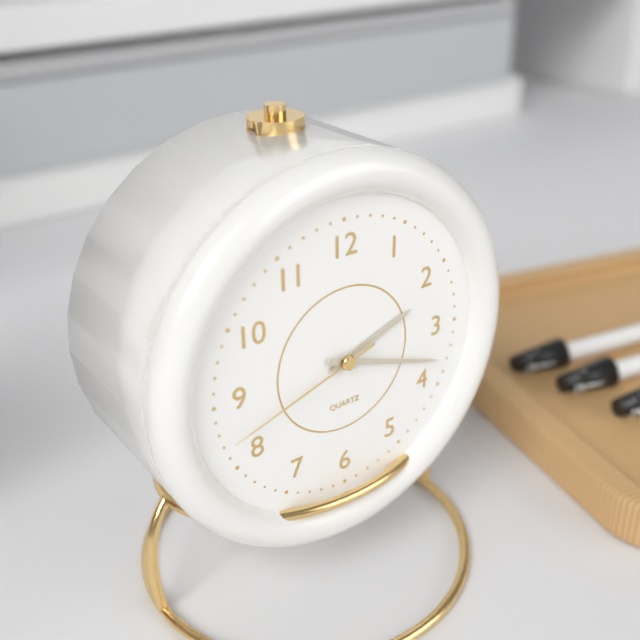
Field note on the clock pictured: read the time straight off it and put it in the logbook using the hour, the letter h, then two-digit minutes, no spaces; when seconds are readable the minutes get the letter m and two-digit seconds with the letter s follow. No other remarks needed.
2h18m42s
